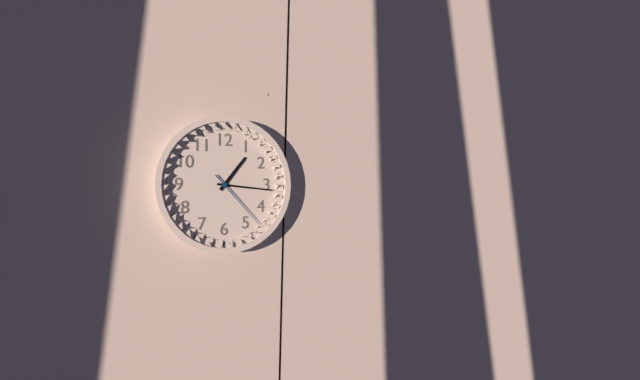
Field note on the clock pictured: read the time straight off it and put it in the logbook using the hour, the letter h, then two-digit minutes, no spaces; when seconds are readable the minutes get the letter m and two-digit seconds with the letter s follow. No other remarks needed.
1h16m23s
